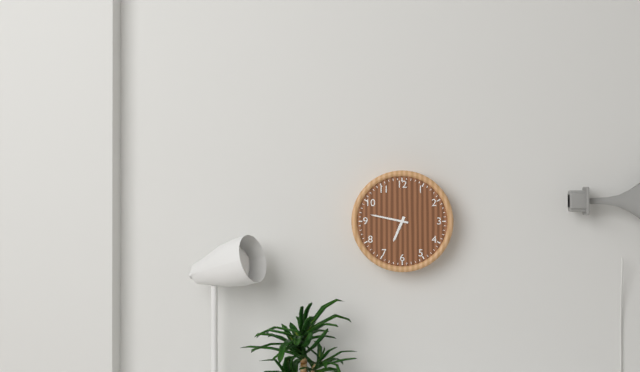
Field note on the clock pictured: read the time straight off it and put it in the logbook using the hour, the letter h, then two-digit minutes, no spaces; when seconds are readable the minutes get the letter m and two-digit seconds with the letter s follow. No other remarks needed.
6h47
